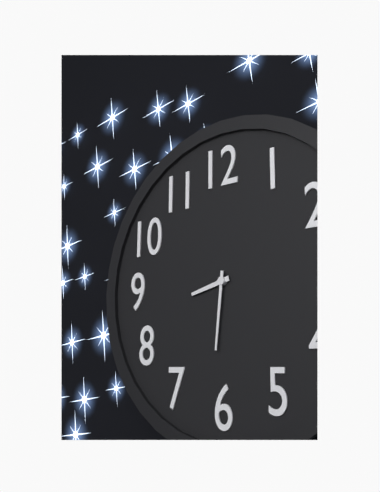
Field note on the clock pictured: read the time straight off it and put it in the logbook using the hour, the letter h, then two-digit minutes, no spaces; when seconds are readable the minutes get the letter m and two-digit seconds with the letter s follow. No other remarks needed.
8h31
